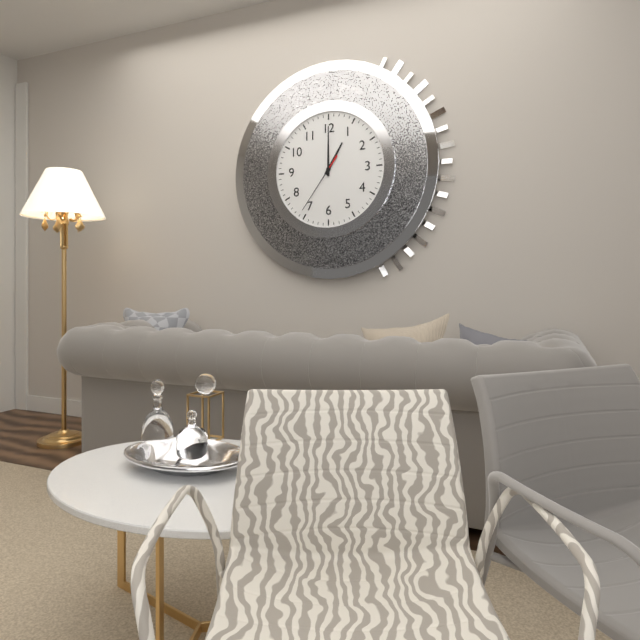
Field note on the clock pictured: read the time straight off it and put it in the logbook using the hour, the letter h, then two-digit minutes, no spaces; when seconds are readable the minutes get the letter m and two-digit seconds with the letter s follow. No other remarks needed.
1h00m36s
